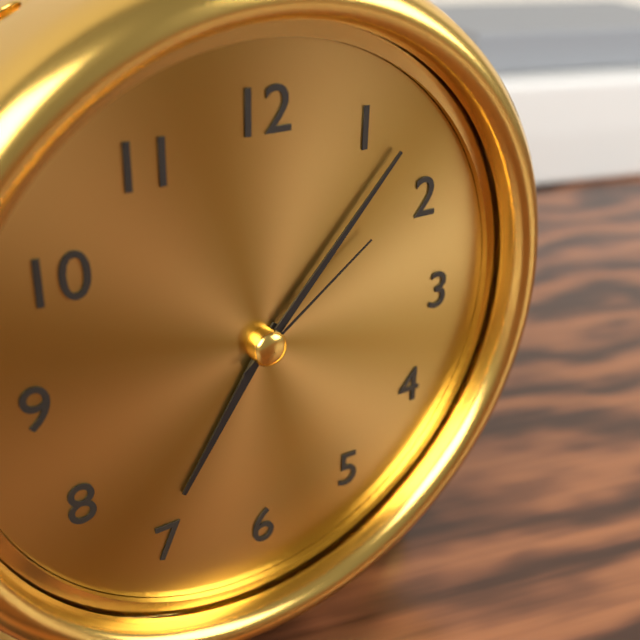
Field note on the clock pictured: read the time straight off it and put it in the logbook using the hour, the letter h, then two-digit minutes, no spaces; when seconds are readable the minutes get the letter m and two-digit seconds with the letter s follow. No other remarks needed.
7h07m09s
